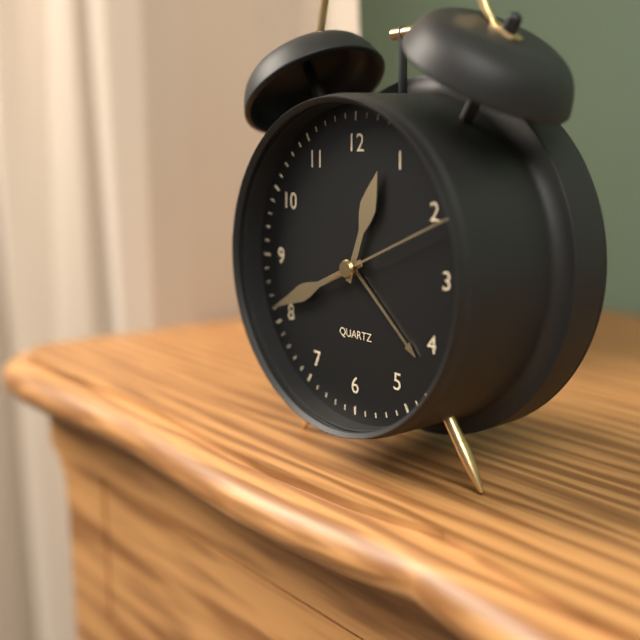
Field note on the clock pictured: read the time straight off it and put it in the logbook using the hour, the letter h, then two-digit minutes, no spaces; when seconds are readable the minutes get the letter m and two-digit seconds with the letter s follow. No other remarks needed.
12h41m11s
